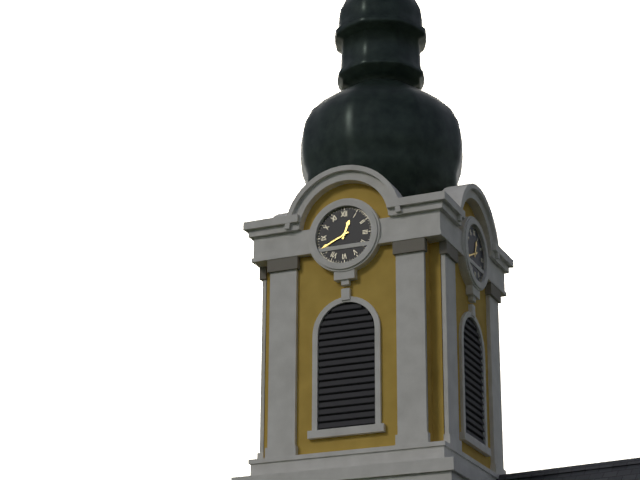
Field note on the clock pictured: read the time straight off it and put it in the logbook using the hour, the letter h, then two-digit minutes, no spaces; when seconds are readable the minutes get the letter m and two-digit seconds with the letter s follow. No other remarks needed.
12h41
